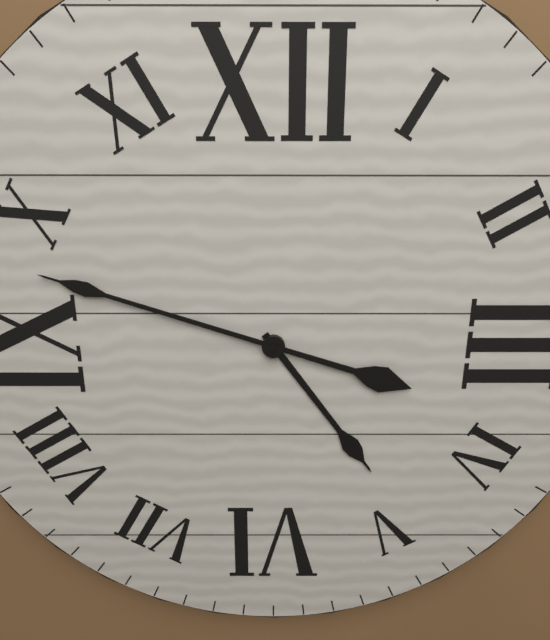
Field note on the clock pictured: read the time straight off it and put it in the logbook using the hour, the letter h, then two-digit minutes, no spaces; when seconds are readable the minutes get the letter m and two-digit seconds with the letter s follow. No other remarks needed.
4h48
